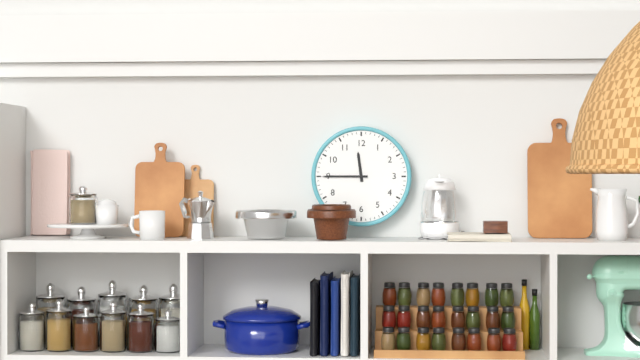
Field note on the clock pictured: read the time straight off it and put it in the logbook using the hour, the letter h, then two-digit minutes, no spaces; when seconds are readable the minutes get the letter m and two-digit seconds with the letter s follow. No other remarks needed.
11h45
